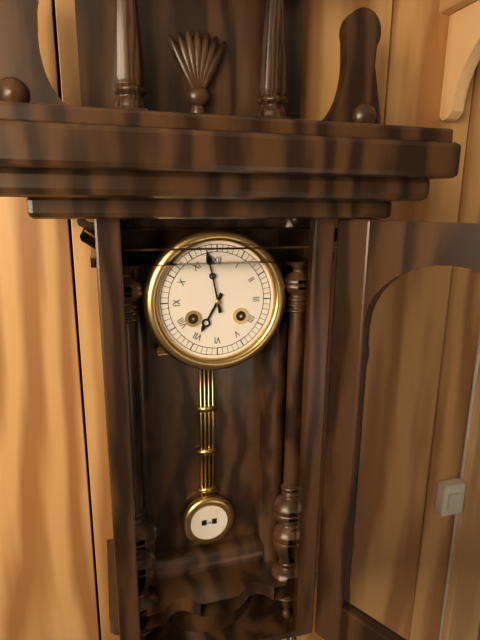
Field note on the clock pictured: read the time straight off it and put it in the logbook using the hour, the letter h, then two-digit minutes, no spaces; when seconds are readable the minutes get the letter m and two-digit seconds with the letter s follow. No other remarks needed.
6h58
